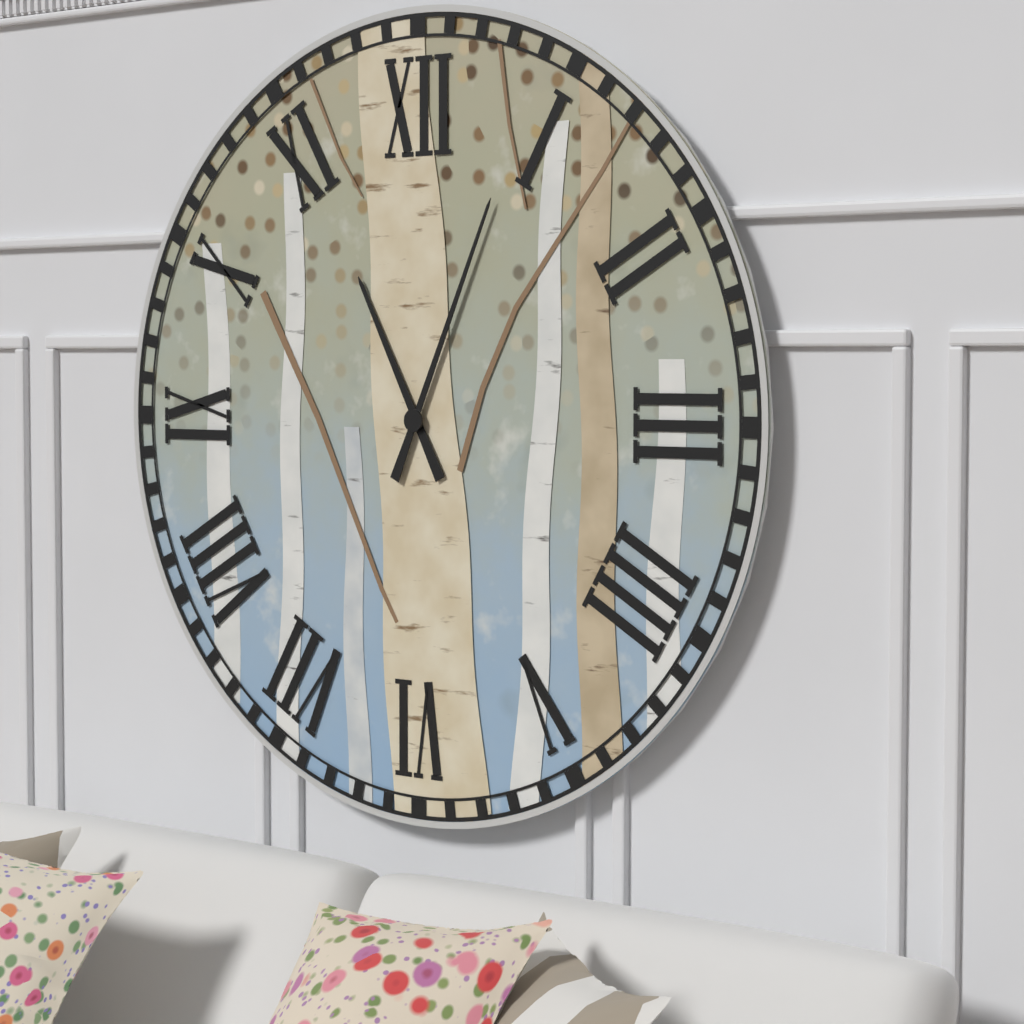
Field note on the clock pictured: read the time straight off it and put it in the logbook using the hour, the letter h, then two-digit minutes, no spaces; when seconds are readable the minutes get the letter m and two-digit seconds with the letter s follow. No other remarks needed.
11h04
